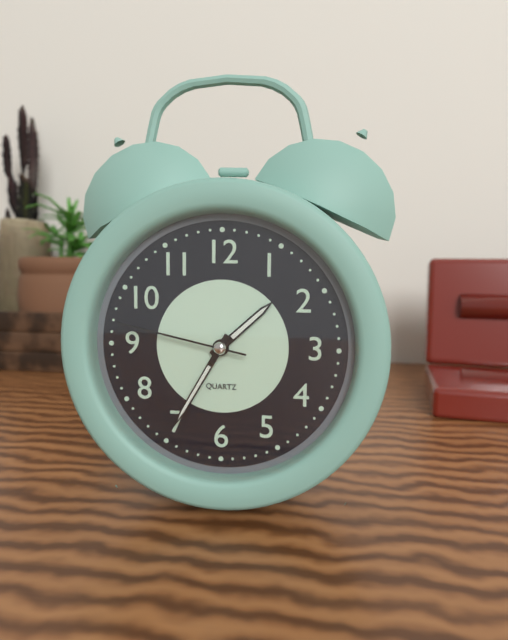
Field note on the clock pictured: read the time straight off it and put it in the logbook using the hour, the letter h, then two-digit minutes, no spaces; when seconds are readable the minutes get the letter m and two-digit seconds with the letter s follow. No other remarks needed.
1h35m47s
